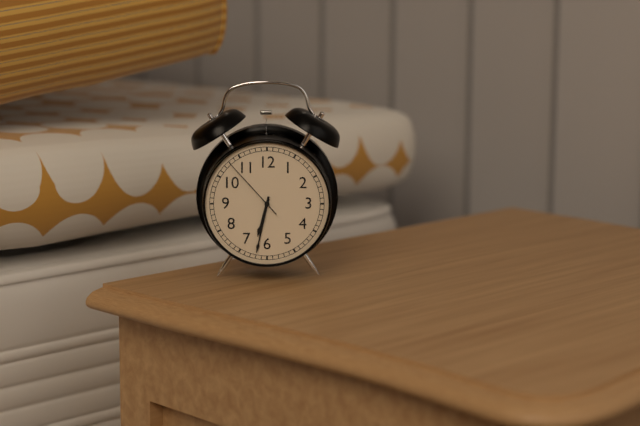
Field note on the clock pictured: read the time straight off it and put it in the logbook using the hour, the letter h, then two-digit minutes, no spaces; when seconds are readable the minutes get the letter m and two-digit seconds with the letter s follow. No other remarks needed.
6h32m53s
